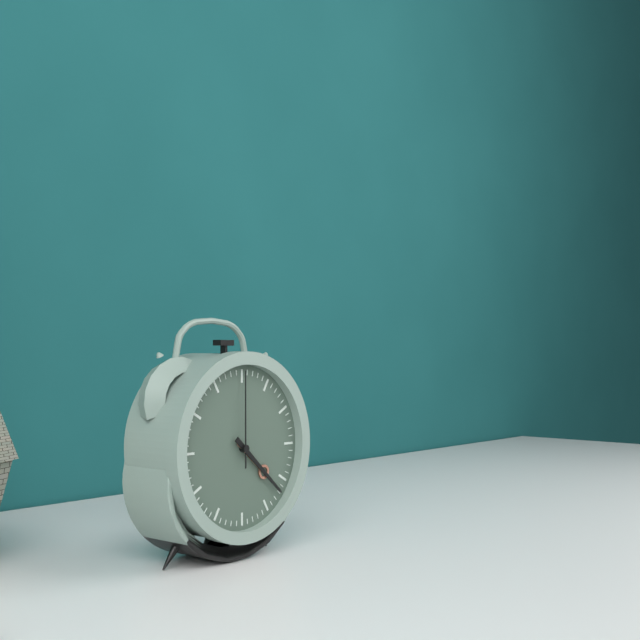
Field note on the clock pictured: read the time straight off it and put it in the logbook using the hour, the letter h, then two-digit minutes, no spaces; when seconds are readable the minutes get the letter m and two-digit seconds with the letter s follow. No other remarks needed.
4h22m00s
